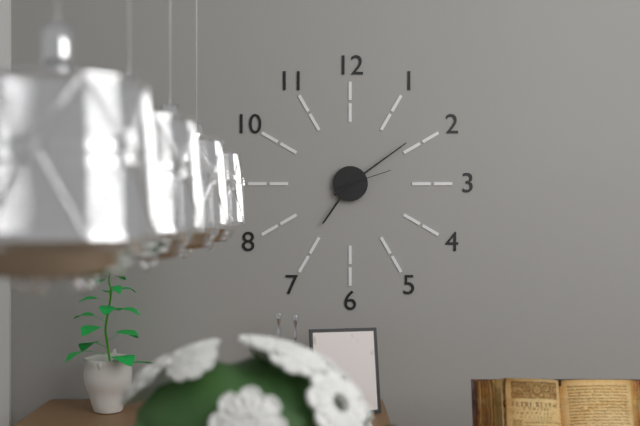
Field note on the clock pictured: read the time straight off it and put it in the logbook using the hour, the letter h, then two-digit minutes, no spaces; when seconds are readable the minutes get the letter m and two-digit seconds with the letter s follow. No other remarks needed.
7h09m12s
